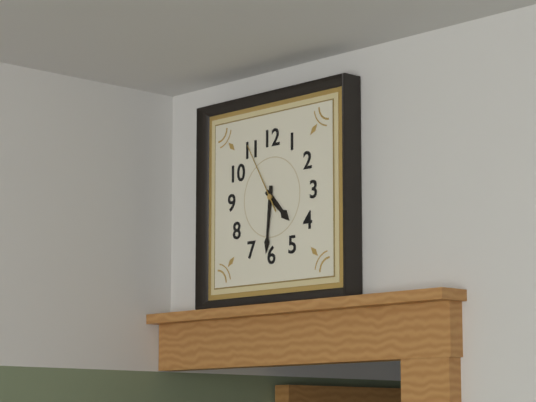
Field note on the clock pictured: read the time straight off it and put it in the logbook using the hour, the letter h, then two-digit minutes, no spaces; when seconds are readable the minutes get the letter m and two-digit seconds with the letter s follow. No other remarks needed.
4h31m55s
